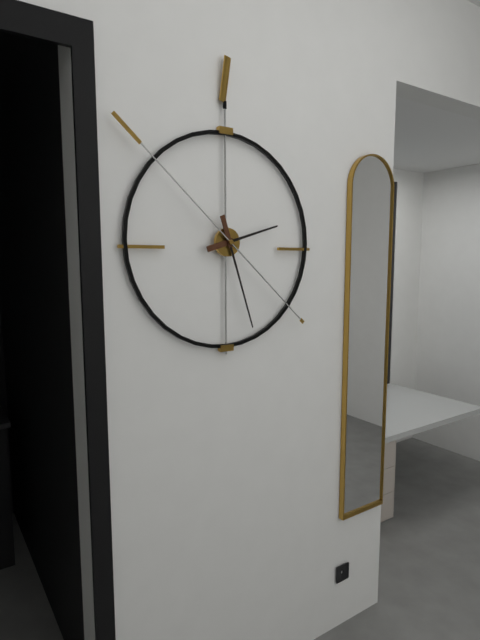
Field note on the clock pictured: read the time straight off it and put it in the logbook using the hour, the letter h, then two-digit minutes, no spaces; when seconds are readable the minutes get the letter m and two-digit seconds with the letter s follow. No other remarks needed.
2h27m52s
